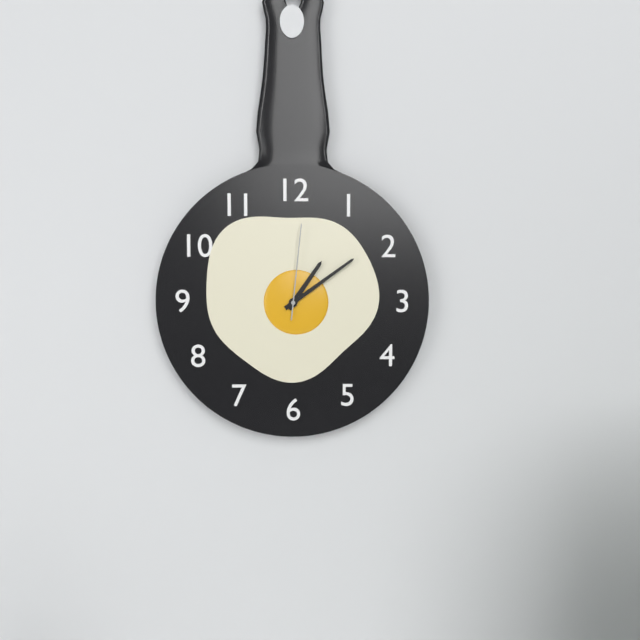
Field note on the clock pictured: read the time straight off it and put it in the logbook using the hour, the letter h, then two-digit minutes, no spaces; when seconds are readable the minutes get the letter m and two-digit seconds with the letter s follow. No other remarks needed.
1h09m01s
